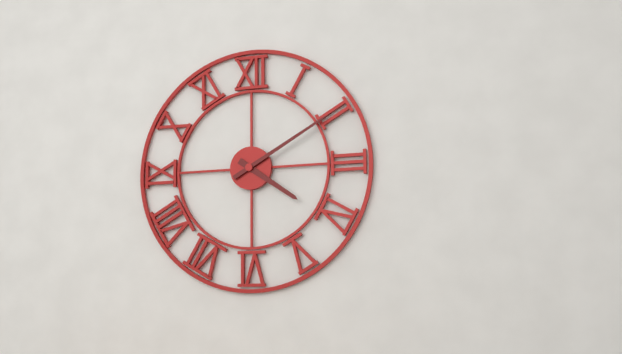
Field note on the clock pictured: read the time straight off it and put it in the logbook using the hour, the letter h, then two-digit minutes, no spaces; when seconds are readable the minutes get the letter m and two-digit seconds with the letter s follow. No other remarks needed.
4h10
